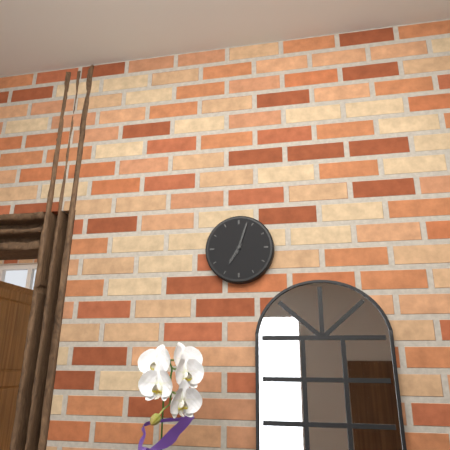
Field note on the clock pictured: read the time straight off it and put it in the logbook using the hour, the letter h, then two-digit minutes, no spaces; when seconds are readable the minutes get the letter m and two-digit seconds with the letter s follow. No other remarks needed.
7h03
